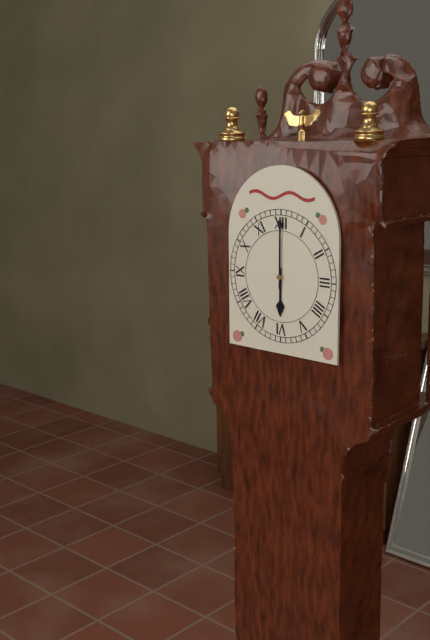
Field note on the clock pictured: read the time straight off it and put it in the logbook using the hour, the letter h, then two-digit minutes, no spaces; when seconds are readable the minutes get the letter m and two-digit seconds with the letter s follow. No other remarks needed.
6h00
